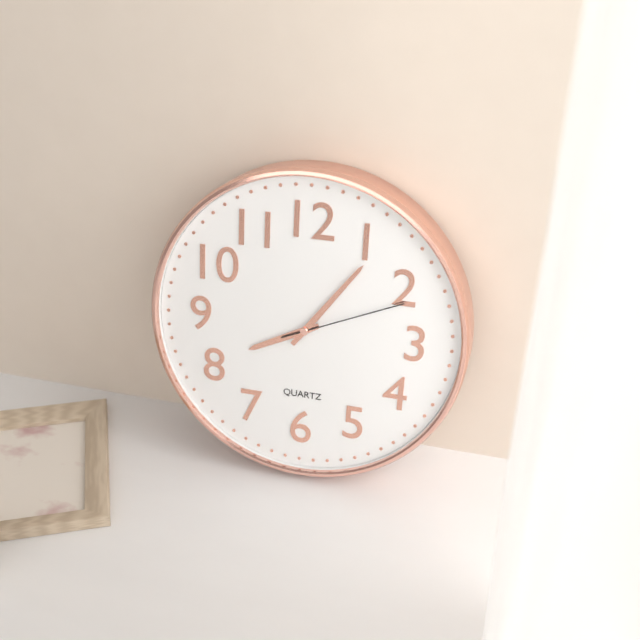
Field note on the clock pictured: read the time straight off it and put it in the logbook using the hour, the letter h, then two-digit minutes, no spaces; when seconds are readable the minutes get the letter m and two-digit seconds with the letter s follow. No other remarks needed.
8h06m11s
